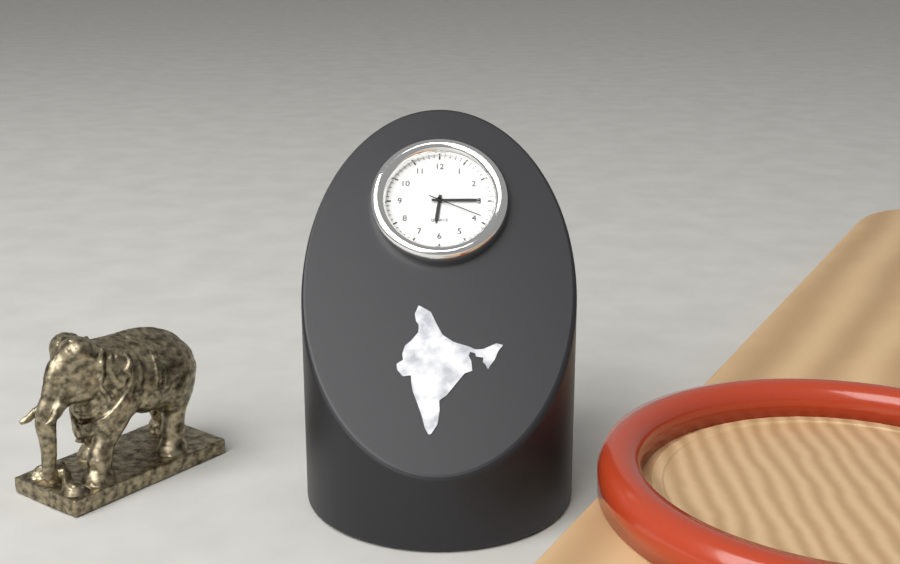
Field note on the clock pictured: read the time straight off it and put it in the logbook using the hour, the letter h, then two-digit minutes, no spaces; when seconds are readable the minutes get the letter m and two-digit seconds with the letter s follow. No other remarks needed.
6h15m19s
